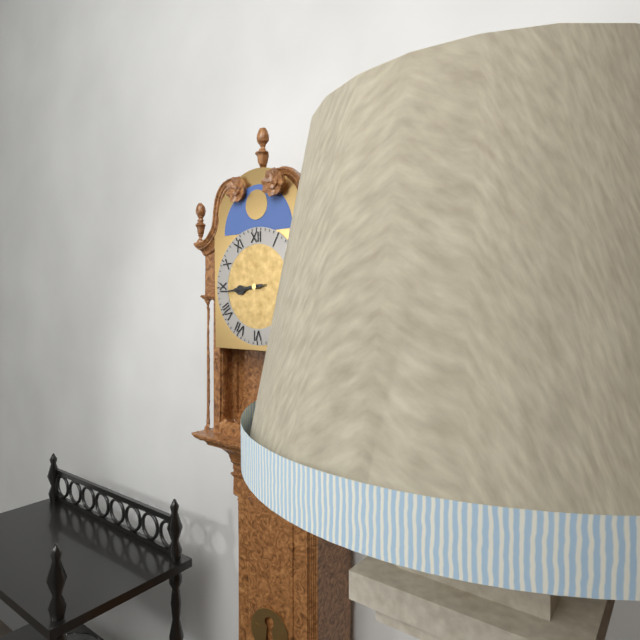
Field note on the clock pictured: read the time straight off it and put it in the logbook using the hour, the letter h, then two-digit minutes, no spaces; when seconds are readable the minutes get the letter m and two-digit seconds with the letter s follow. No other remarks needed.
8h44
